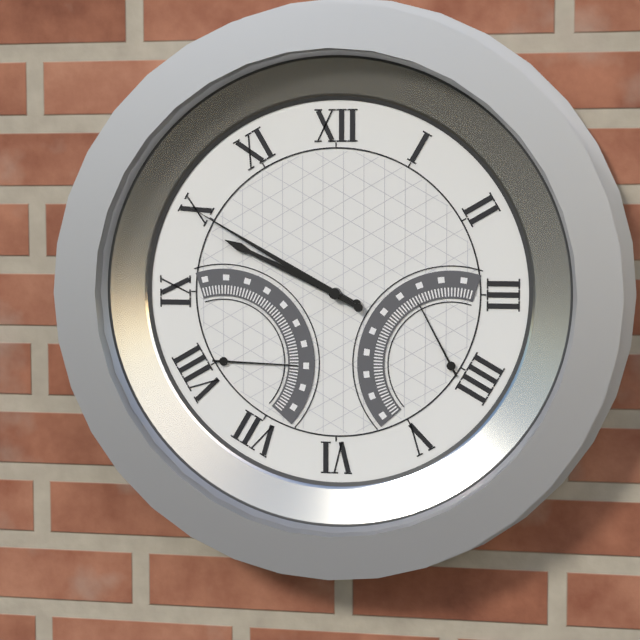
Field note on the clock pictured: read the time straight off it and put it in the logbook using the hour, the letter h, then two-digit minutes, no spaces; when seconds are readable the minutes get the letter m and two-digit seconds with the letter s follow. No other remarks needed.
9h50
